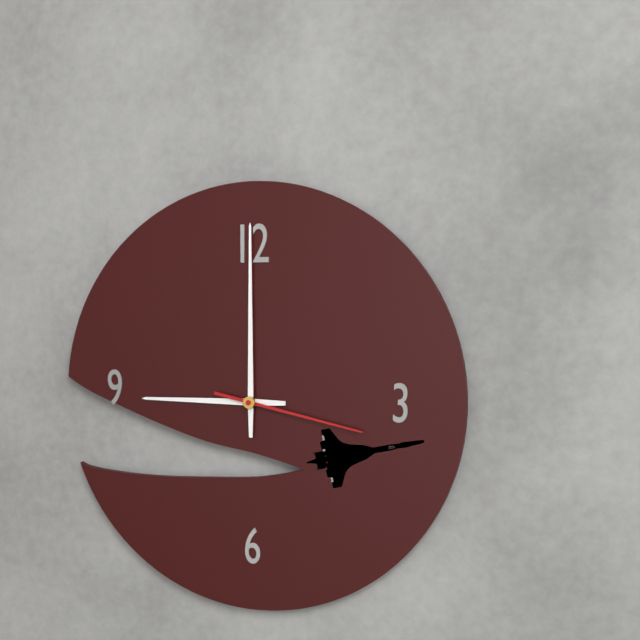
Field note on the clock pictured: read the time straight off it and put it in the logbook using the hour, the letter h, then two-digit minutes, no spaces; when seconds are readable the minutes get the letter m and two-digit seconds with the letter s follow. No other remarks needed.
9h00m17s
